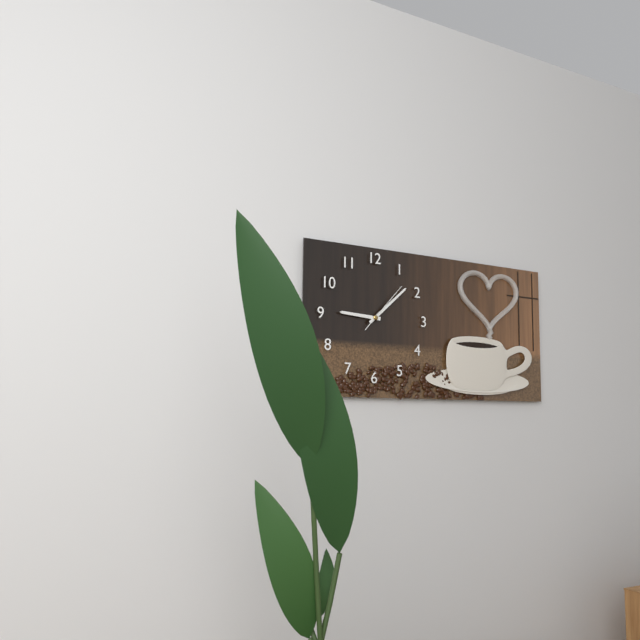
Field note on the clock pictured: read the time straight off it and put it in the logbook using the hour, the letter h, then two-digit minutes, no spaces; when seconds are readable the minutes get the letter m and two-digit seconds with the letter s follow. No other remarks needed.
9h08m07s
